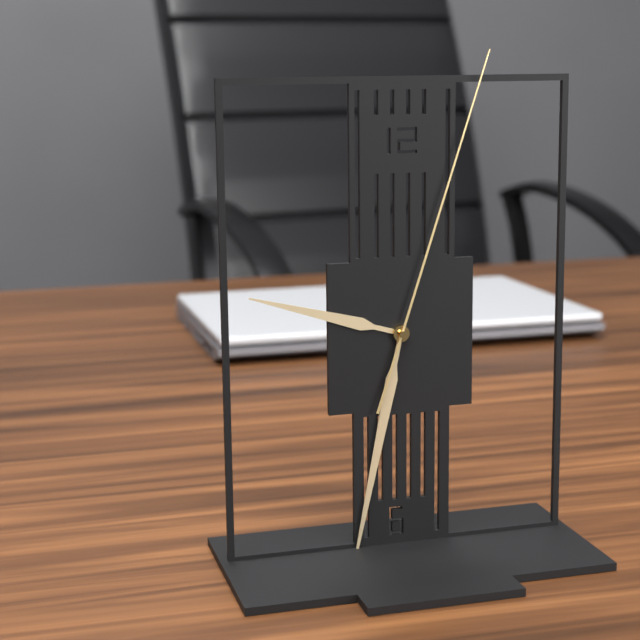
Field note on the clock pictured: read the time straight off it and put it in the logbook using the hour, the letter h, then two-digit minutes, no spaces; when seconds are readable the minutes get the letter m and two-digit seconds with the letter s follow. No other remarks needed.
9h32m03s
